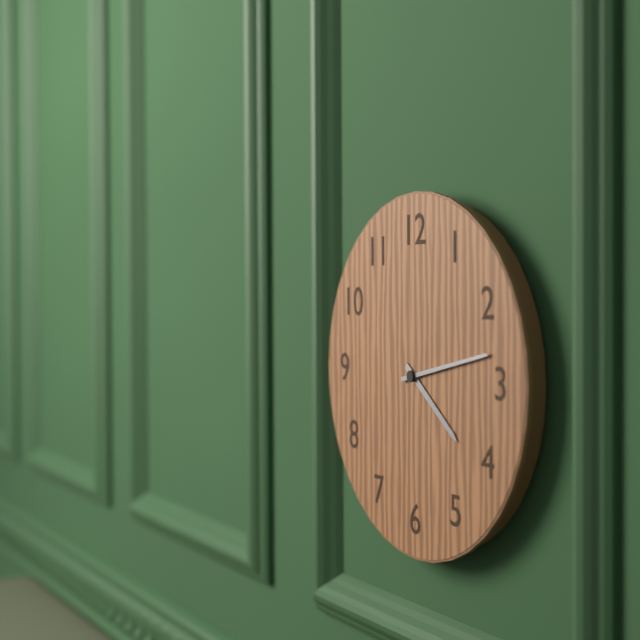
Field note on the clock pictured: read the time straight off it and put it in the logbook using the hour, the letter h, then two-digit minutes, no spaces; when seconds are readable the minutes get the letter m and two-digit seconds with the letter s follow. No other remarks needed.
4h13
